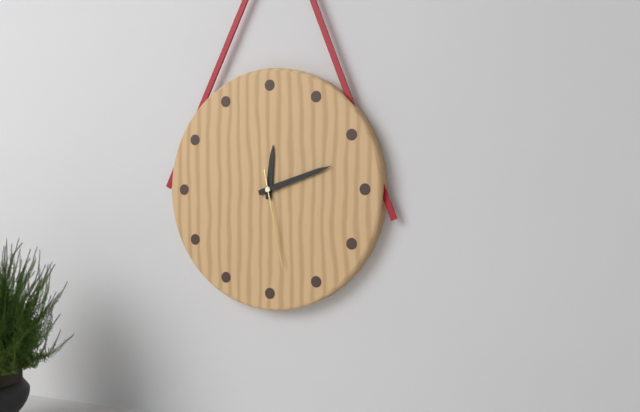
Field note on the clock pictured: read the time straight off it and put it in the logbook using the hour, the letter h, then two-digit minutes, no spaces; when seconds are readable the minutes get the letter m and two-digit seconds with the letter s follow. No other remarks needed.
12h12m28s
